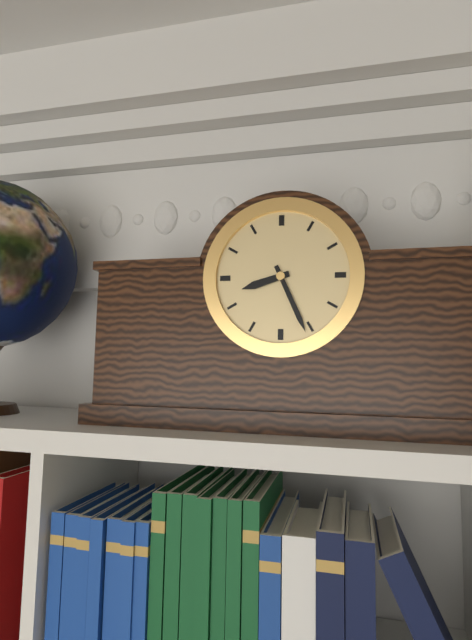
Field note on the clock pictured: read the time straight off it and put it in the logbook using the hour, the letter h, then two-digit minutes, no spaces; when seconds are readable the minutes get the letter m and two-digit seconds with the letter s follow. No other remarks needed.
8h26
